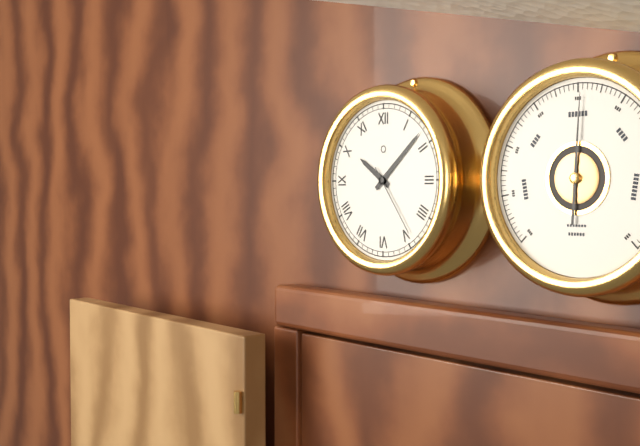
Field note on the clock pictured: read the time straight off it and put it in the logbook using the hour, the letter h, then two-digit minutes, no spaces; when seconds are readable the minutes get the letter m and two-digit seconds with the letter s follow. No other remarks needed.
10h08m24s
